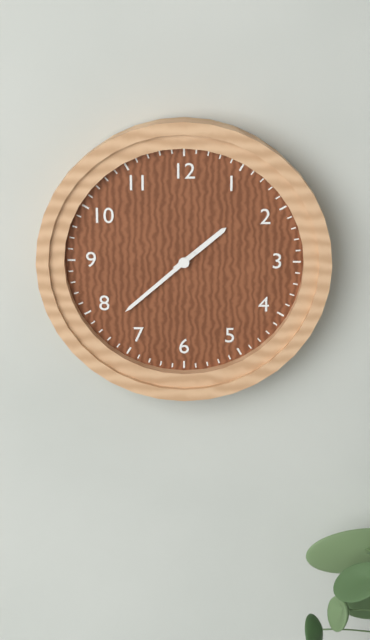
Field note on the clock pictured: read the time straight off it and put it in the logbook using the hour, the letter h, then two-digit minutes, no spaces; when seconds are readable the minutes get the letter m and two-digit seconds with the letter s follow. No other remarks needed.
1h38
